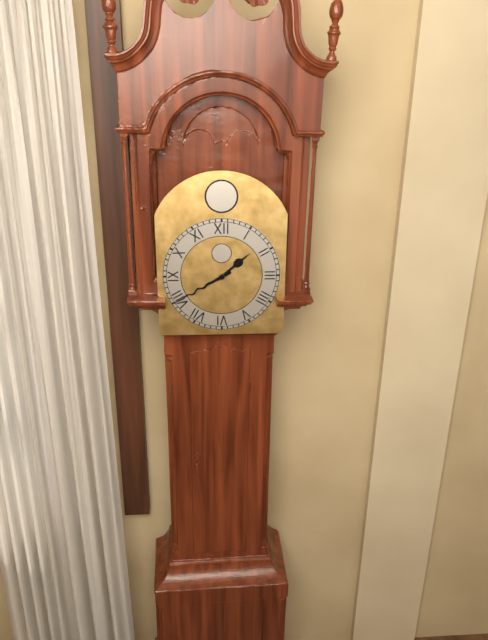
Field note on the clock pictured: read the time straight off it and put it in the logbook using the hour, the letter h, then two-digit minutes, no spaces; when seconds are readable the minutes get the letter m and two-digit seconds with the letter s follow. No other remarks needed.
1h40
